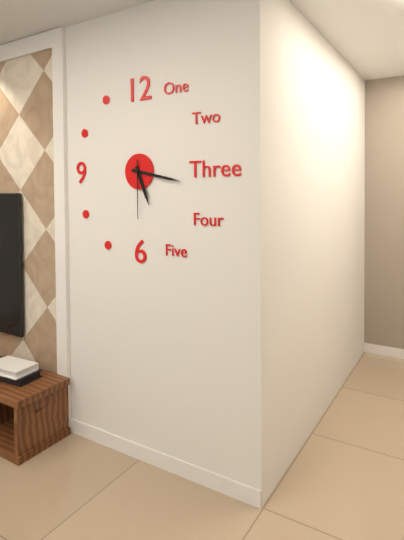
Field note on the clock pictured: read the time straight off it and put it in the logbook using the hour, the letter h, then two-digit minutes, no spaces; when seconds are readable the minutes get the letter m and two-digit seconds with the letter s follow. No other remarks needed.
5h17m30s
